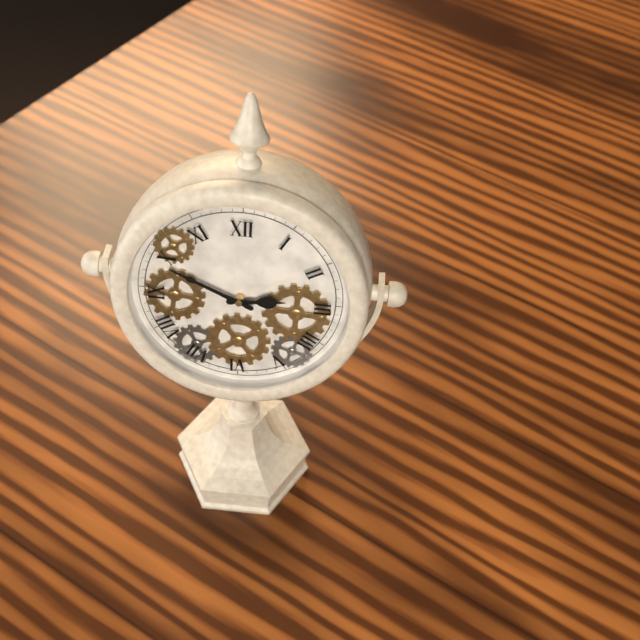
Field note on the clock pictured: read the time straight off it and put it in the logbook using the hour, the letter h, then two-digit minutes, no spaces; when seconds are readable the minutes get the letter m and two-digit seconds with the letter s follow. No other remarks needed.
2h49
